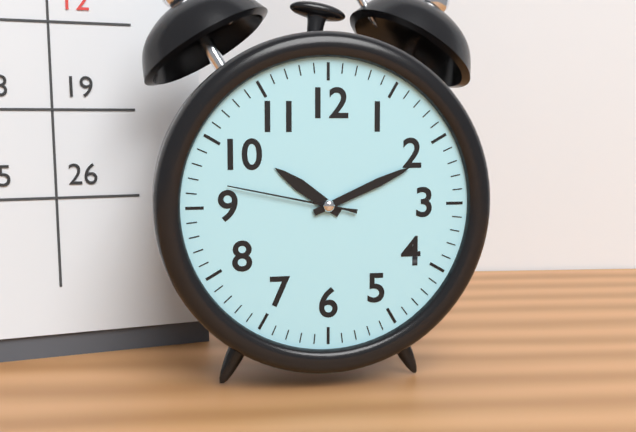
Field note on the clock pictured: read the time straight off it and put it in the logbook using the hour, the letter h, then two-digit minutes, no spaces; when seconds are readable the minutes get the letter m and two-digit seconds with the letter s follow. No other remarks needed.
10h11m47s
